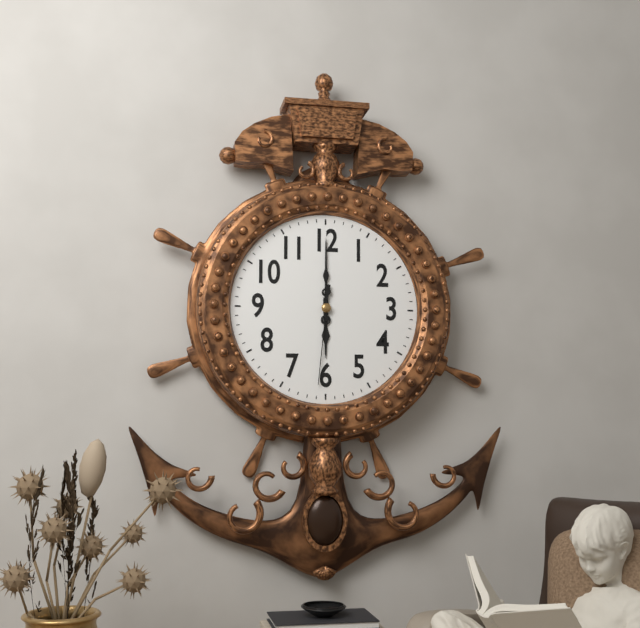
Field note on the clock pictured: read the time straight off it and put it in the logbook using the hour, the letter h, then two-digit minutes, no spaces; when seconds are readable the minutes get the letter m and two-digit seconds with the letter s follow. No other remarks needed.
6h00m31s
